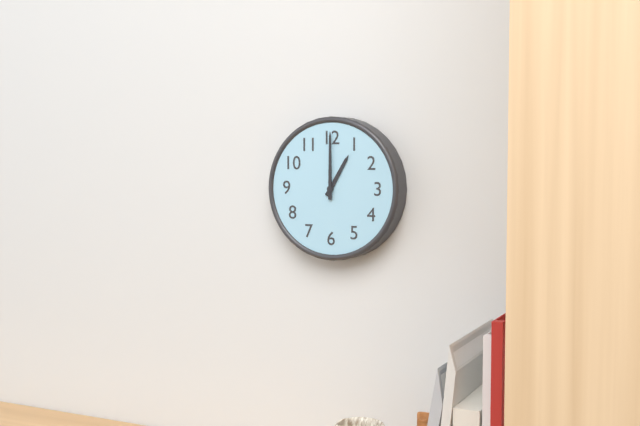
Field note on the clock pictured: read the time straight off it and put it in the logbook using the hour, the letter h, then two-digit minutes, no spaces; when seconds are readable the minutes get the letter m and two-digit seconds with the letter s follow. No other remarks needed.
1h00
